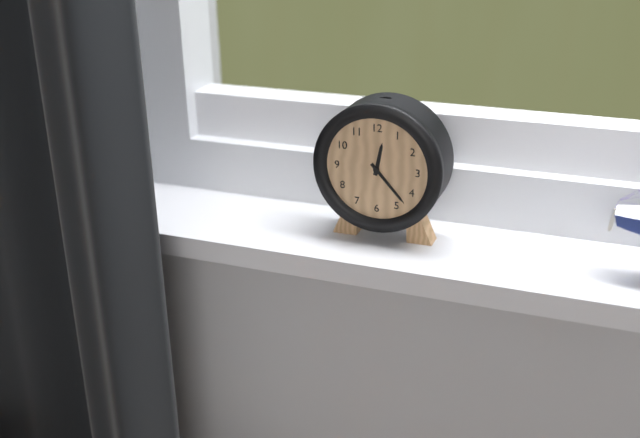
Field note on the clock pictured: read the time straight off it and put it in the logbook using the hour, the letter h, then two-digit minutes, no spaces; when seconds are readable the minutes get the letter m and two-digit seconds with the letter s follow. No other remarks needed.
12h23
